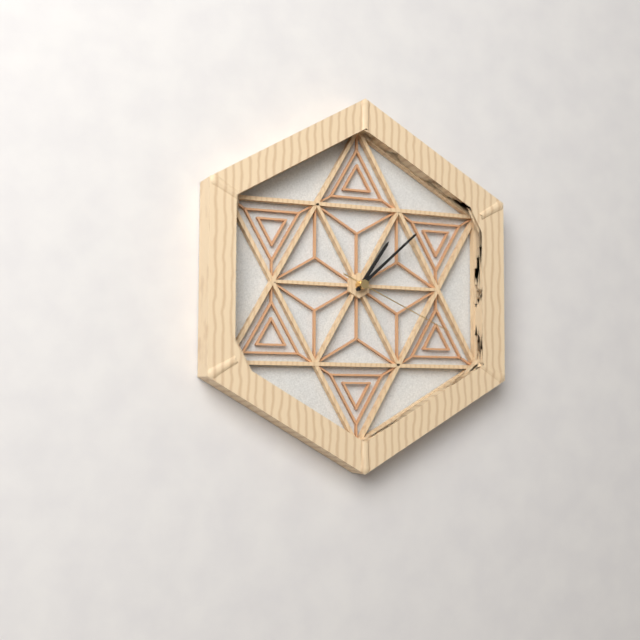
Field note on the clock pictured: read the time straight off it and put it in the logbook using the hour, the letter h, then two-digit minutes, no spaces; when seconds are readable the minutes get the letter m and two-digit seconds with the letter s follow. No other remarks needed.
1h08m19s
